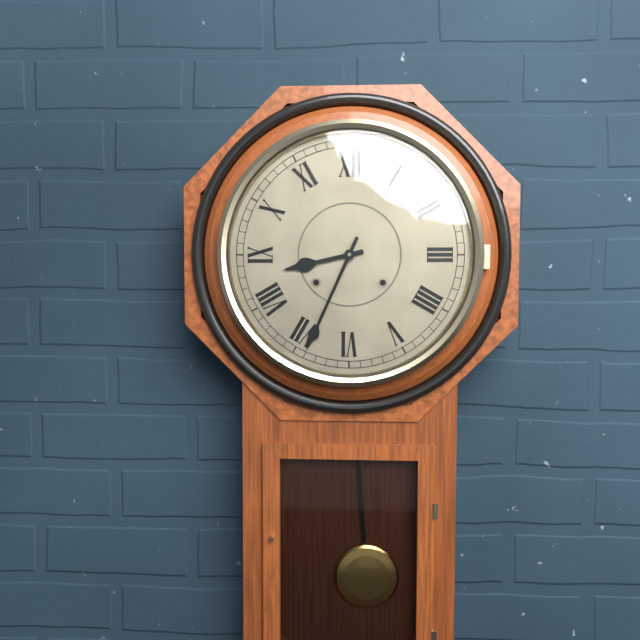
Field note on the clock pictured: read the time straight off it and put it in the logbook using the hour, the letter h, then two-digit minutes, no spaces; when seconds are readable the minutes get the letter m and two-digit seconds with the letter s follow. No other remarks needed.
8h34
